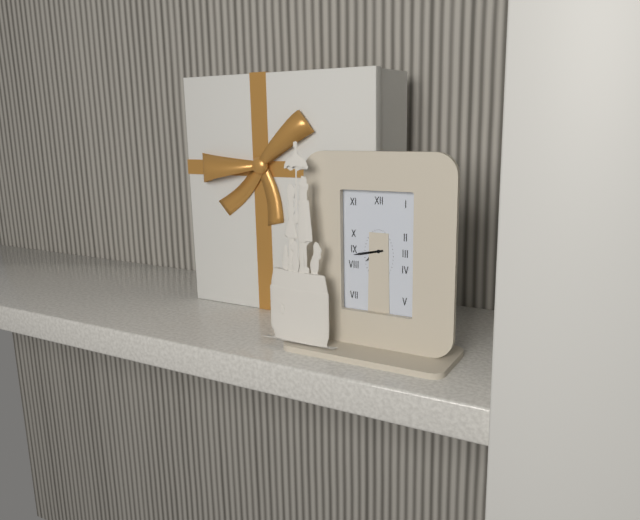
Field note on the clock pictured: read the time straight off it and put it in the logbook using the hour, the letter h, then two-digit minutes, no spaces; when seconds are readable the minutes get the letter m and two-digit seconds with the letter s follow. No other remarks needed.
7h43
